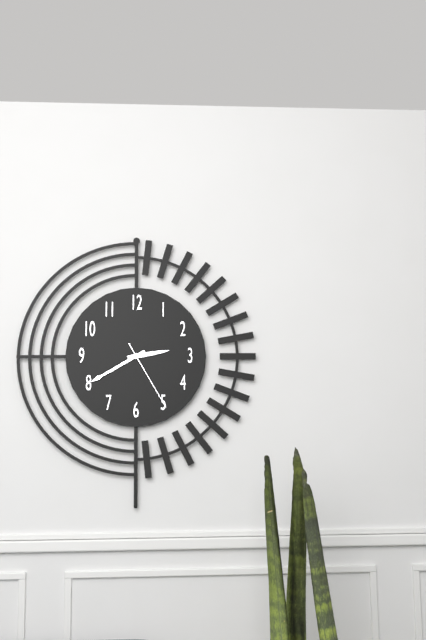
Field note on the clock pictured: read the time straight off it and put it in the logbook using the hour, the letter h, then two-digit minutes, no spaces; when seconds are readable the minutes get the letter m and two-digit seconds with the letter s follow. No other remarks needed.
2h40m25s
